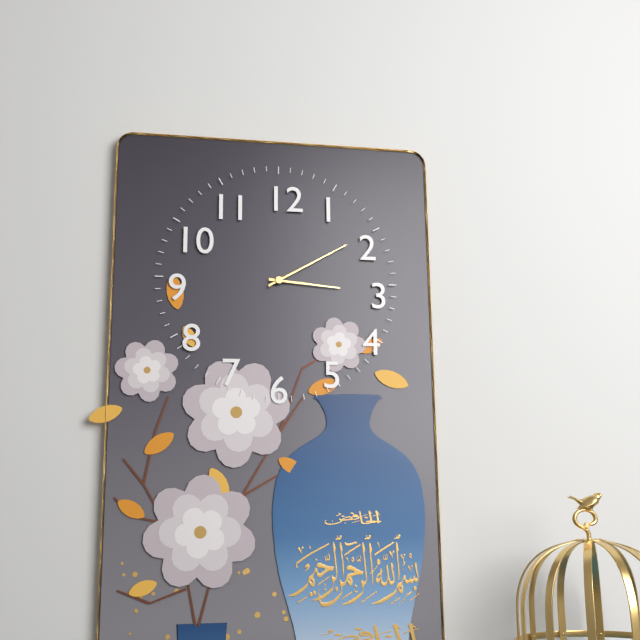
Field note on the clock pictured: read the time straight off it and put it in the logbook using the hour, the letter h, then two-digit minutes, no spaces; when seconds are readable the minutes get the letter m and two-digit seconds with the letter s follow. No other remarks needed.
3h10
